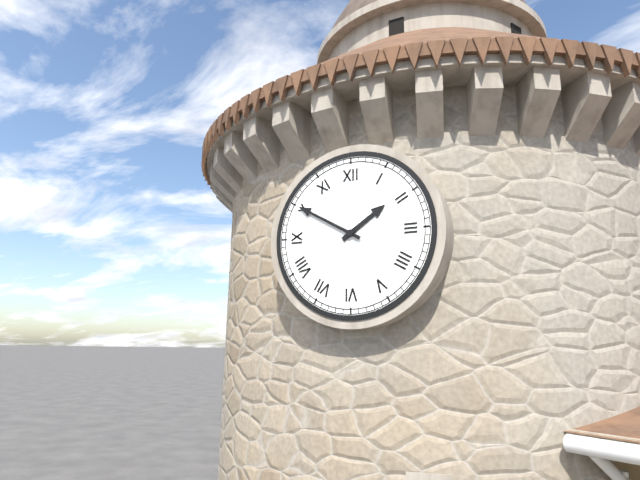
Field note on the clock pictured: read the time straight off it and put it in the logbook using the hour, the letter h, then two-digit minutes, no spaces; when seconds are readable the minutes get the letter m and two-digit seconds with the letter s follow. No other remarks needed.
1h50
